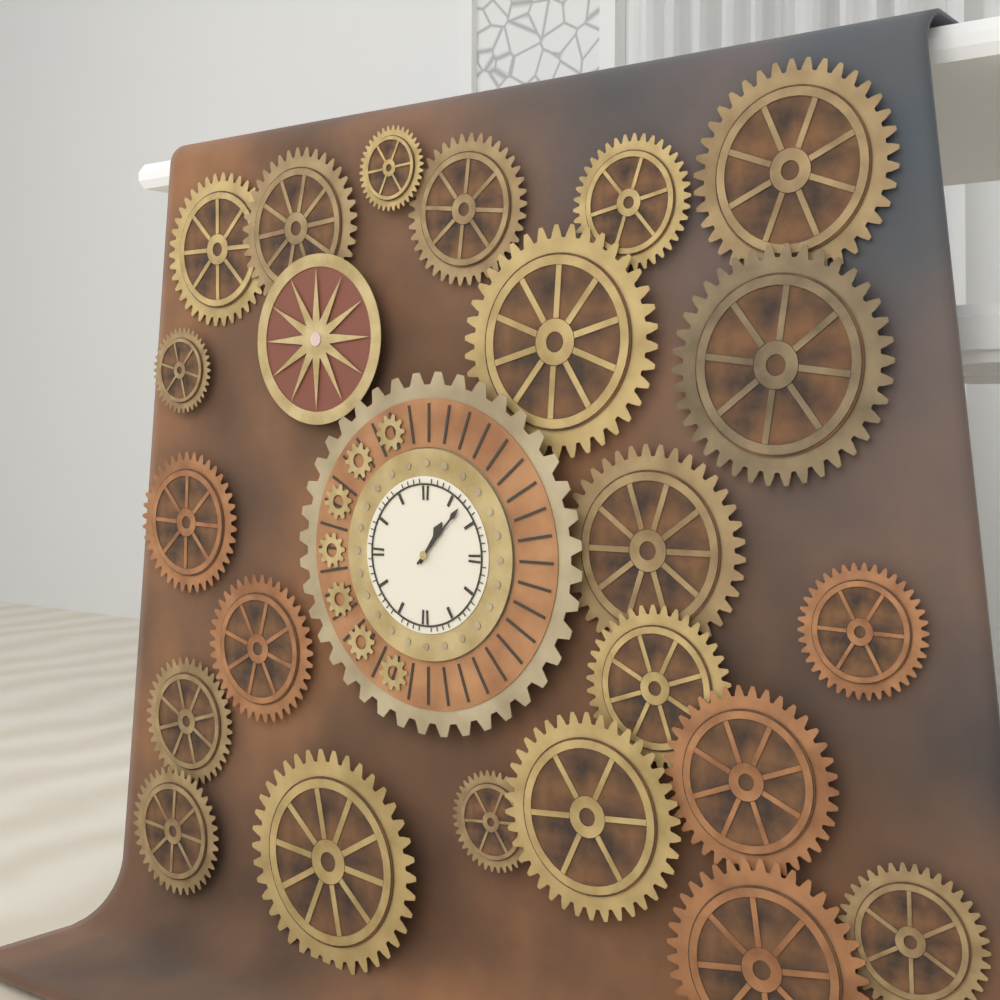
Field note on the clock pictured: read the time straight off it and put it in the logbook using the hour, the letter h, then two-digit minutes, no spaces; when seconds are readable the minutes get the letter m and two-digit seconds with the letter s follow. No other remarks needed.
1h07
